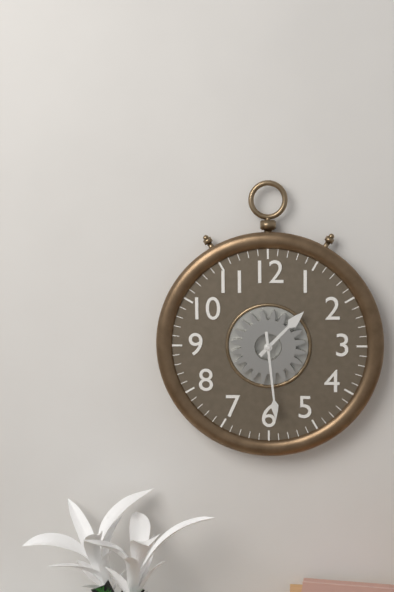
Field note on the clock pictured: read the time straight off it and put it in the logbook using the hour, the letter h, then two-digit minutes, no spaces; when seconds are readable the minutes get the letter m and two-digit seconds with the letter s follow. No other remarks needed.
1h29
